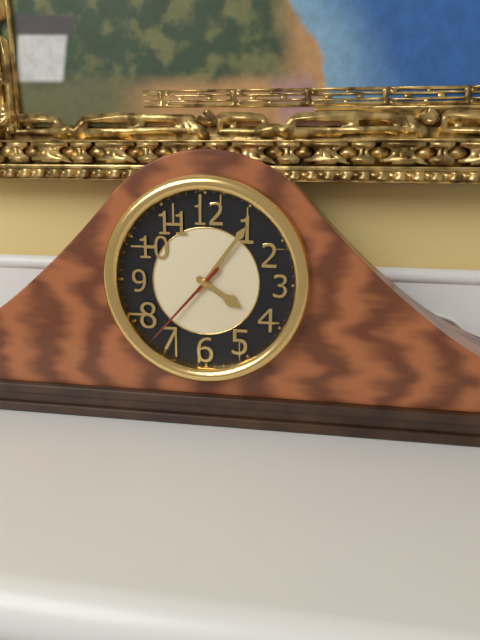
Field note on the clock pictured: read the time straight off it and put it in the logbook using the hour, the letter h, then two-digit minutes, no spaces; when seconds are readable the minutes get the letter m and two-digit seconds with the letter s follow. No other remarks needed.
4h06m37s
